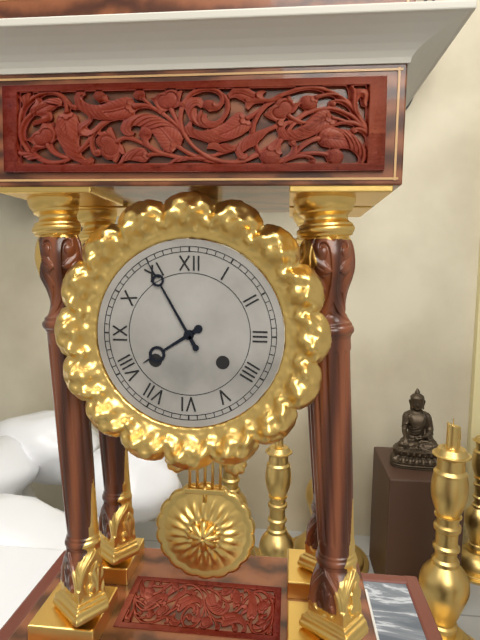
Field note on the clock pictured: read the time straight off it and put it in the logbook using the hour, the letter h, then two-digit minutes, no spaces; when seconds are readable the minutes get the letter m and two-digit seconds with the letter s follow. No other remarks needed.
7h55
